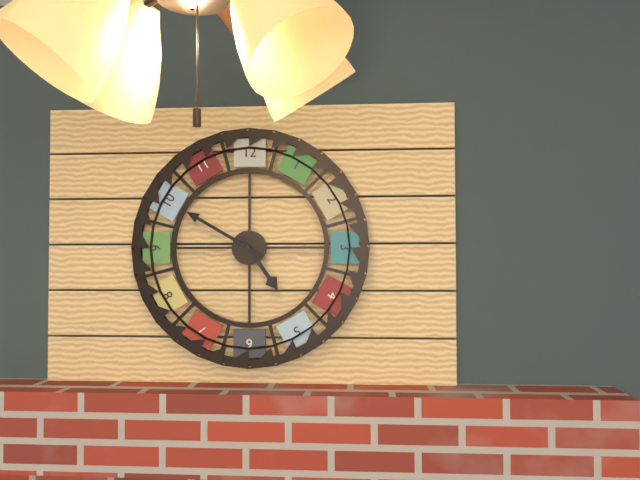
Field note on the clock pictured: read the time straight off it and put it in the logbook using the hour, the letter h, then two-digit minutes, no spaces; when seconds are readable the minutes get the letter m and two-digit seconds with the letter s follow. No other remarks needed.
4h50
